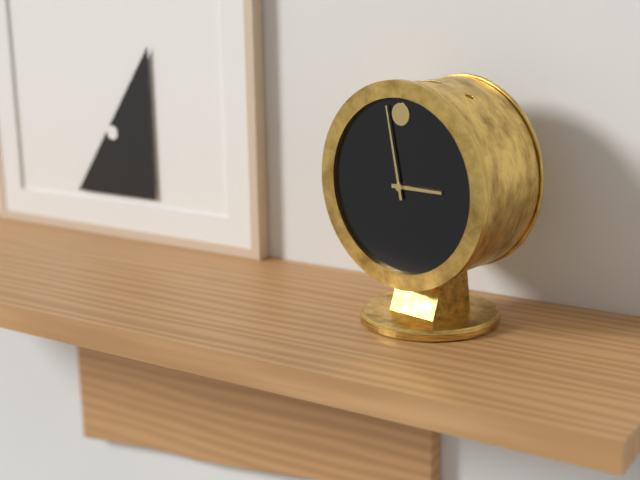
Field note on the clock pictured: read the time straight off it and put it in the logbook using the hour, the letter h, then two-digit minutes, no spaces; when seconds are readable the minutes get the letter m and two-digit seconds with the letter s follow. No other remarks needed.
2h58
